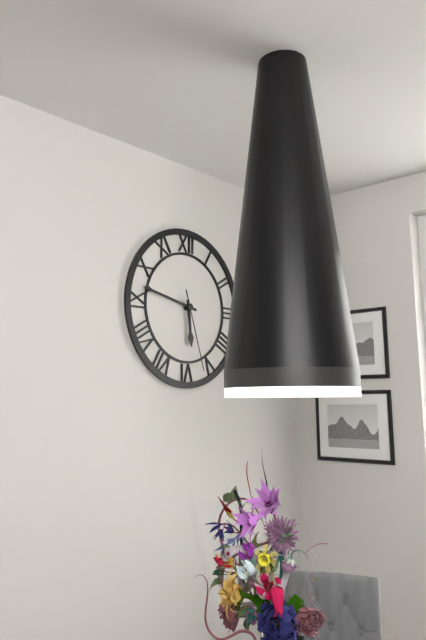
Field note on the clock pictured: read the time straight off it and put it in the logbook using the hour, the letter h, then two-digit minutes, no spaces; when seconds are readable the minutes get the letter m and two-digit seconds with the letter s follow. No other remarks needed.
5h47m27s
